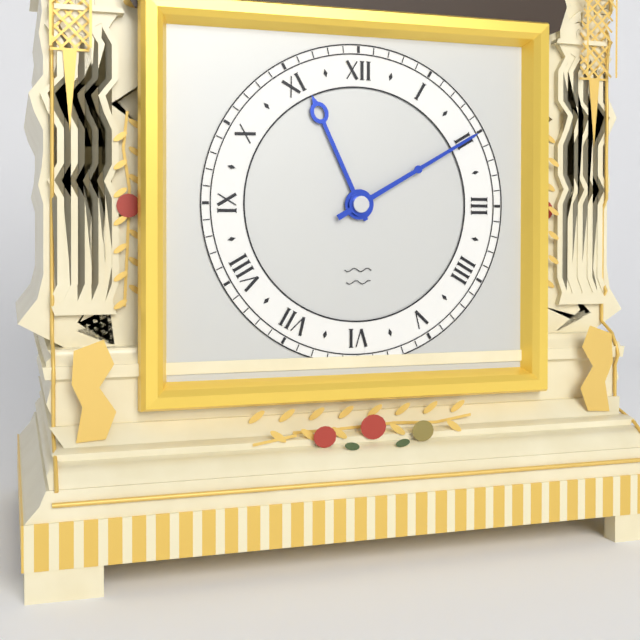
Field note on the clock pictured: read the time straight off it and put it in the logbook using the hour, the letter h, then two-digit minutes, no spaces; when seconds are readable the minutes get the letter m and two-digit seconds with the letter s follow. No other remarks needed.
11h10
